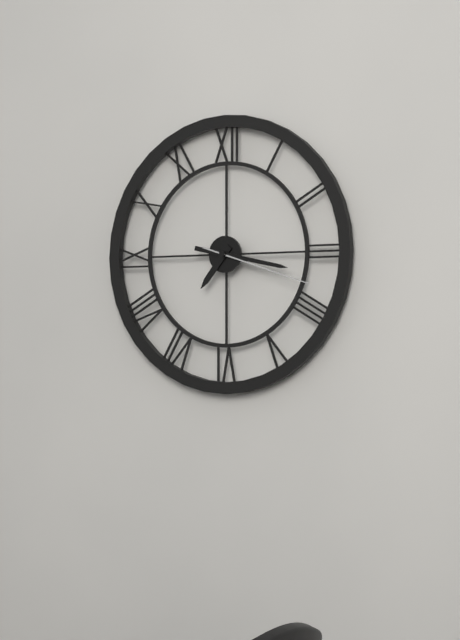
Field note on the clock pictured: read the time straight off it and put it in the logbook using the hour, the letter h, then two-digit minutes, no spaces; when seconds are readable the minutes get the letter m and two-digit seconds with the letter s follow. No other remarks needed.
7h17m18s
